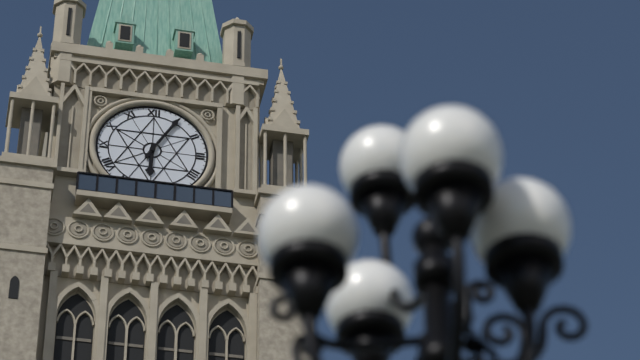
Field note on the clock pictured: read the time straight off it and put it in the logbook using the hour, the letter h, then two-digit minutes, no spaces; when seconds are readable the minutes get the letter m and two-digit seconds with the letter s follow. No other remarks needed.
6h05
